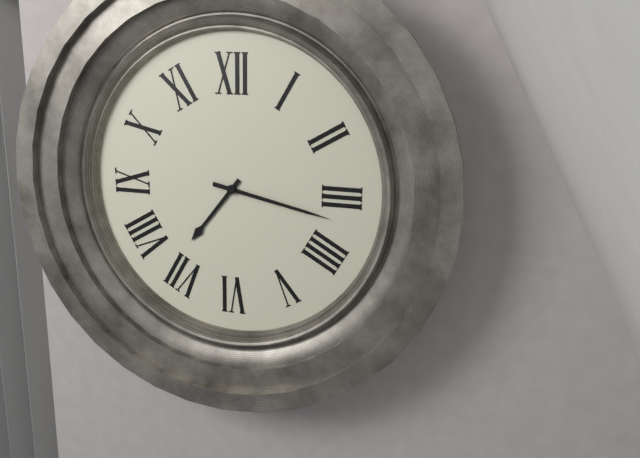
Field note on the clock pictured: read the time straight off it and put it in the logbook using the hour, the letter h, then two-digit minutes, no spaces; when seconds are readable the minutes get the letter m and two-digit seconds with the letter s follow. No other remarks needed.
7h17
